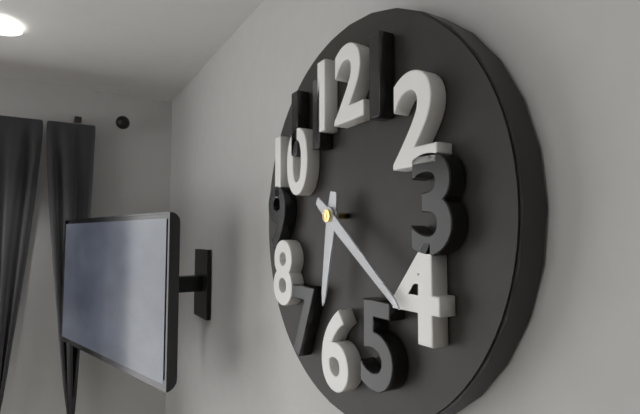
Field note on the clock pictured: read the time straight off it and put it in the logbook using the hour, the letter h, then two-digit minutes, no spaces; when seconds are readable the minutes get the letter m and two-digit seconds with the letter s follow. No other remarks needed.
6h21
